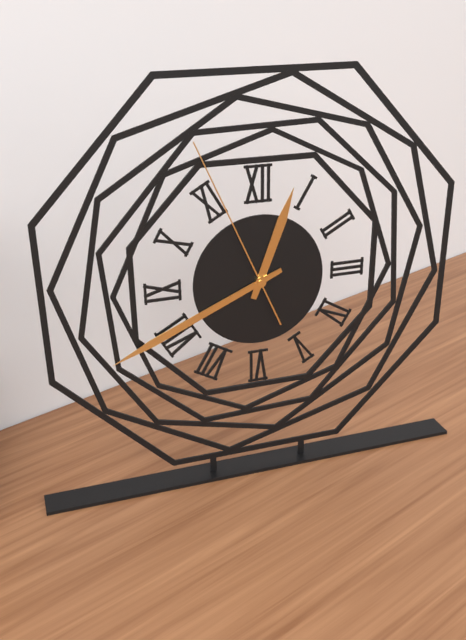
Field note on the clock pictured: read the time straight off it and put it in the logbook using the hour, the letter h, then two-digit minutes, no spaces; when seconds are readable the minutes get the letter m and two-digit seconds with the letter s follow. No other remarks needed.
12h41m56s
